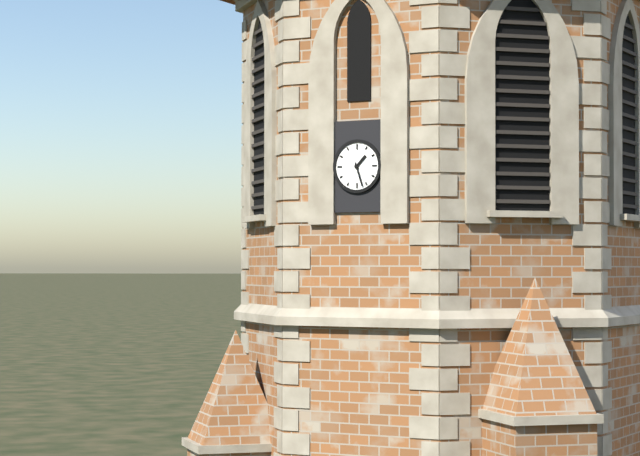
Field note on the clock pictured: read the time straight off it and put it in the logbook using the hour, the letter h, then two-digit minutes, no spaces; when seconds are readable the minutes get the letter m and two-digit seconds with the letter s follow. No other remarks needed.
1h27
